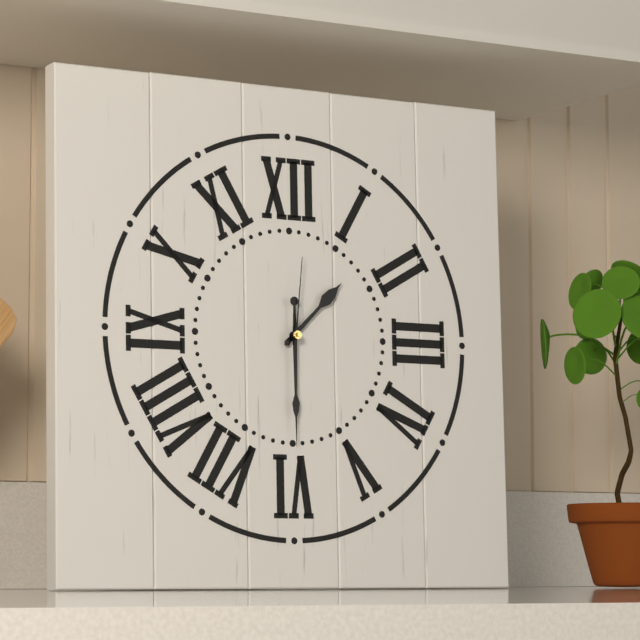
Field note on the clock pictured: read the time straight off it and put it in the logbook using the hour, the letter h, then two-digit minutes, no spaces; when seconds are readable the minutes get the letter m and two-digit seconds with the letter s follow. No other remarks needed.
1h30m01s
